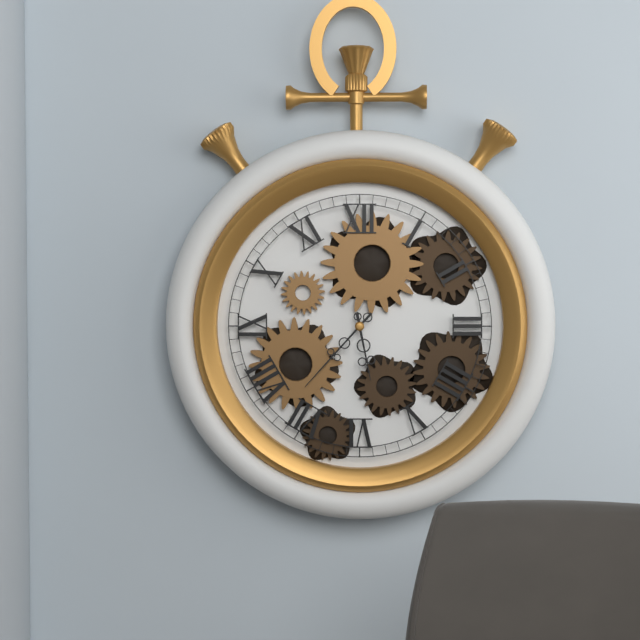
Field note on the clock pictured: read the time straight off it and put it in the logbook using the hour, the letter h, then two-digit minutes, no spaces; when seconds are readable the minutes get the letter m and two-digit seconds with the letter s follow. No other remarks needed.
5h37
